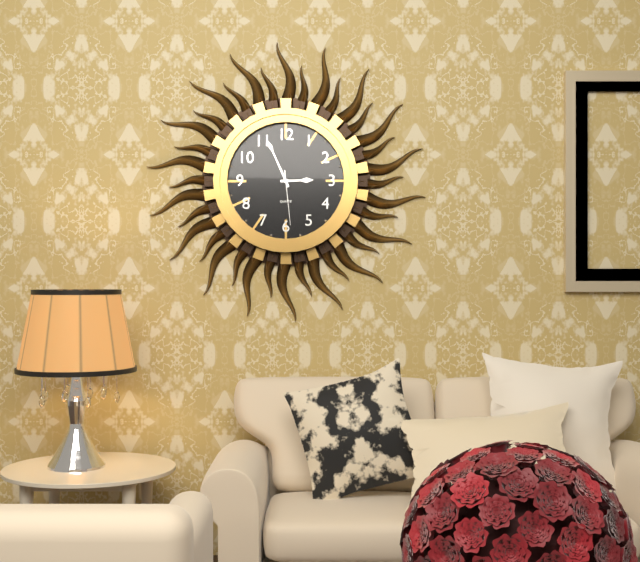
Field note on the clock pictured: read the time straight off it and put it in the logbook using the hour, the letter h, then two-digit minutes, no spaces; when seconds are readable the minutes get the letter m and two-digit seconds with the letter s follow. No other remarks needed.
2h56m29s
